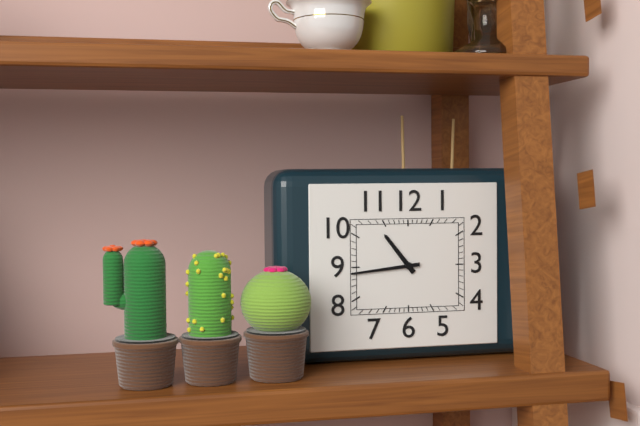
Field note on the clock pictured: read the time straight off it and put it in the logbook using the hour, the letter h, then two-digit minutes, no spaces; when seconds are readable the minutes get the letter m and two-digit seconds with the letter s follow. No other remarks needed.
10h44
